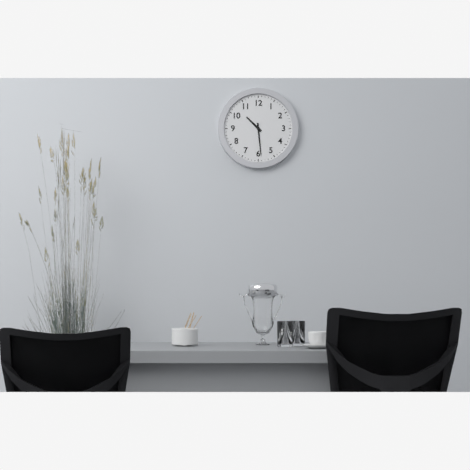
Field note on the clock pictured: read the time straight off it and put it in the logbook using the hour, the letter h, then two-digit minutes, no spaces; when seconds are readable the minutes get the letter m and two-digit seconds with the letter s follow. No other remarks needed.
10h29
